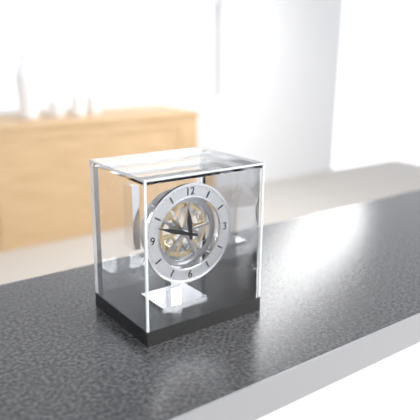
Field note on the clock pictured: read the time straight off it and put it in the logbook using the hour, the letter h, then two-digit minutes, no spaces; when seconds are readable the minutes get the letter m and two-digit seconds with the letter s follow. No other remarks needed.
11h48
